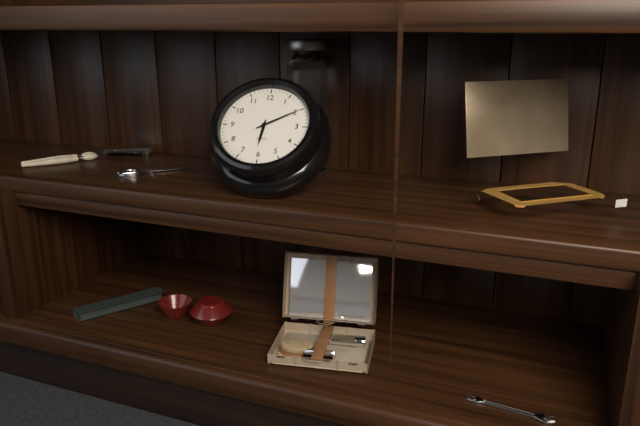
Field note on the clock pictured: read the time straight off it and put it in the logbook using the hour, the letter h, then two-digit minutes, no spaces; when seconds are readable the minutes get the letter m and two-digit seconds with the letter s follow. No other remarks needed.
6h10
